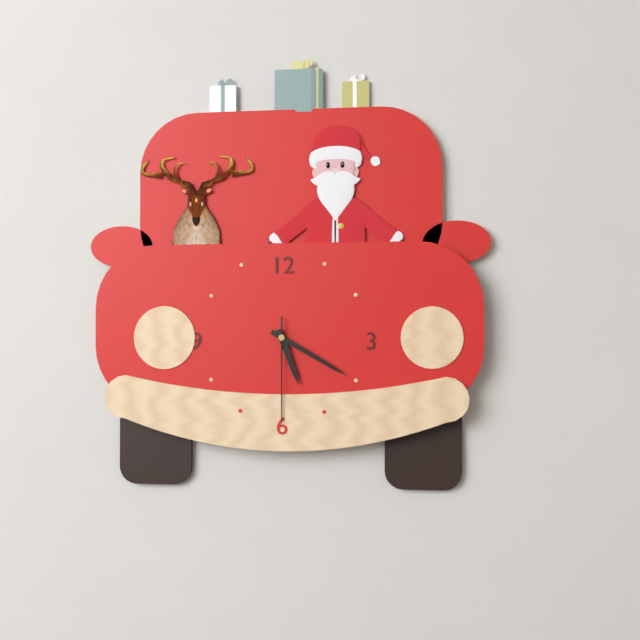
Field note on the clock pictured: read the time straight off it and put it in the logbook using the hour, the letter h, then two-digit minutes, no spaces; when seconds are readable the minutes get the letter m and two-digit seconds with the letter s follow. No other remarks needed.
5h20m30s
